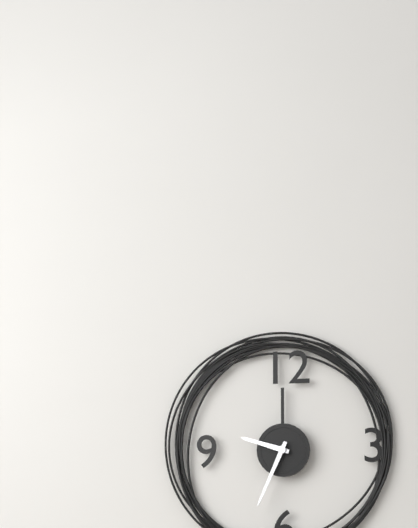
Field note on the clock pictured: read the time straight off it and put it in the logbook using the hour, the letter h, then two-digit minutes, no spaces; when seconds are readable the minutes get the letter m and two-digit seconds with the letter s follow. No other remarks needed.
9h34
